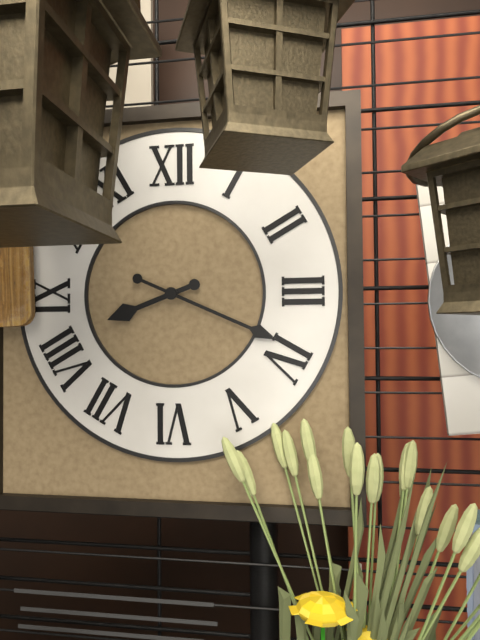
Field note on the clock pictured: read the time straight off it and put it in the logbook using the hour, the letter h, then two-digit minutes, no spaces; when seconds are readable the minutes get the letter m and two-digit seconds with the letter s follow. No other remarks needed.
8h19
